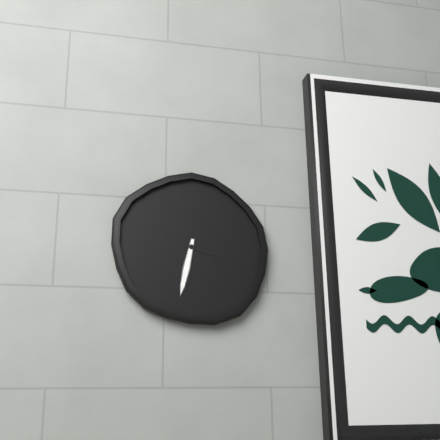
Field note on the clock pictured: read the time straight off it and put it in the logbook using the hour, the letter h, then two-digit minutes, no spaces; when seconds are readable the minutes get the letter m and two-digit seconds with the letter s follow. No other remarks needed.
3h32
